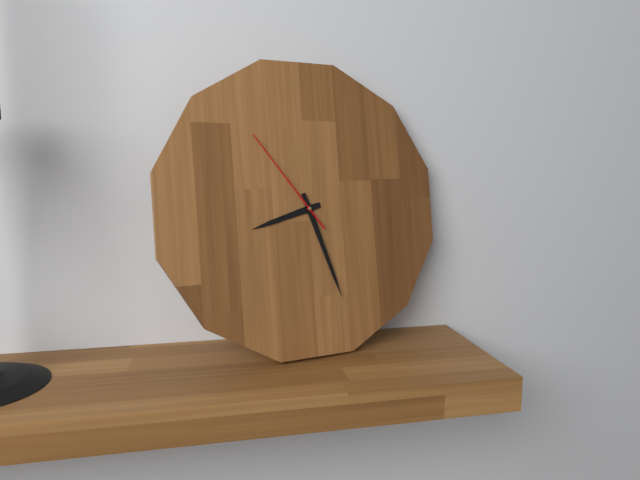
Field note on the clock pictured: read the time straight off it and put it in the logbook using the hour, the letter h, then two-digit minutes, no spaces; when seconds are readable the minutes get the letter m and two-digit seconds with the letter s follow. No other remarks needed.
8h27m54s
